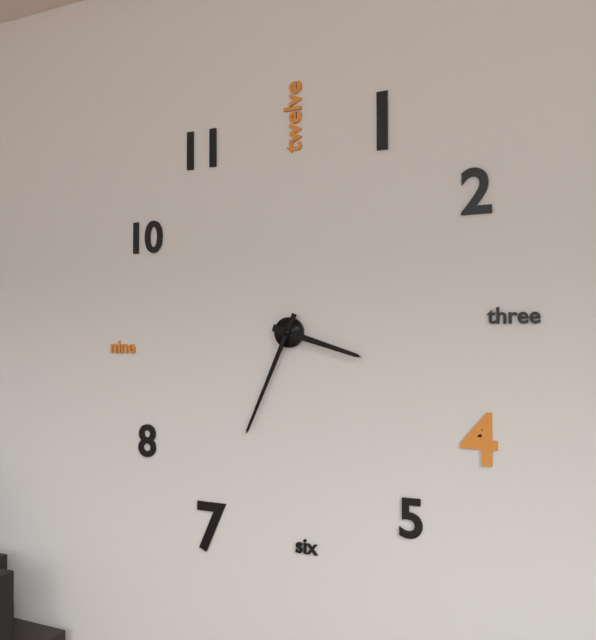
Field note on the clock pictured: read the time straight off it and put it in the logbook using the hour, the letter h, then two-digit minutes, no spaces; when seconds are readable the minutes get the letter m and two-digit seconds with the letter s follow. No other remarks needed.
3h34
